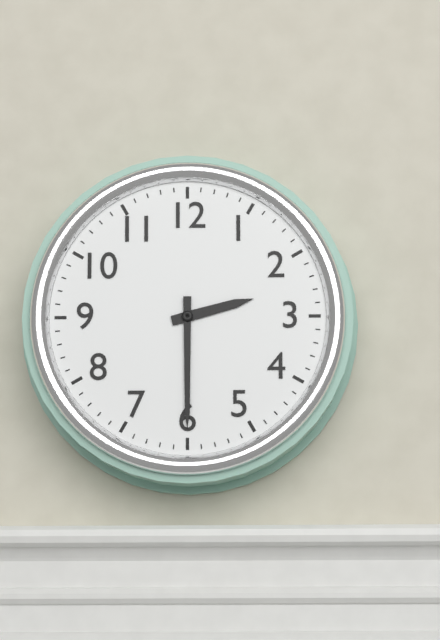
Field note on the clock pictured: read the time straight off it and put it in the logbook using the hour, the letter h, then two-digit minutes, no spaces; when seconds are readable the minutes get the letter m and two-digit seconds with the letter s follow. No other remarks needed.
2h30
